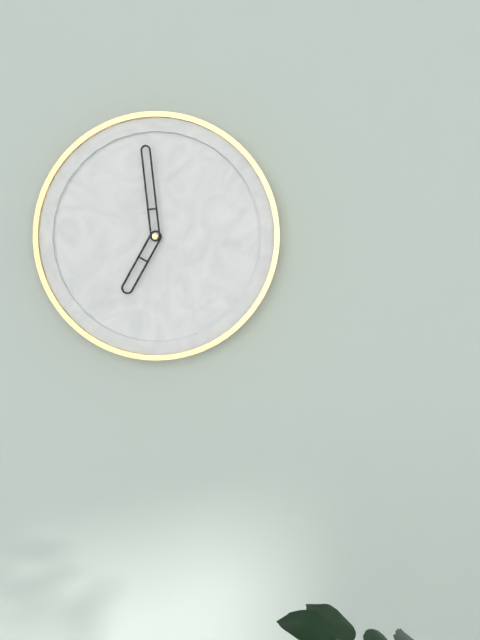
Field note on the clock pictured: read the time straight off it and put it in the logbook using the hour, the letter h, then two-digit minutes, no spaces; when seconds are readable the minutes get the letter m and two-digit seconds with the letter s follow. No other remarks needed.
6h59
